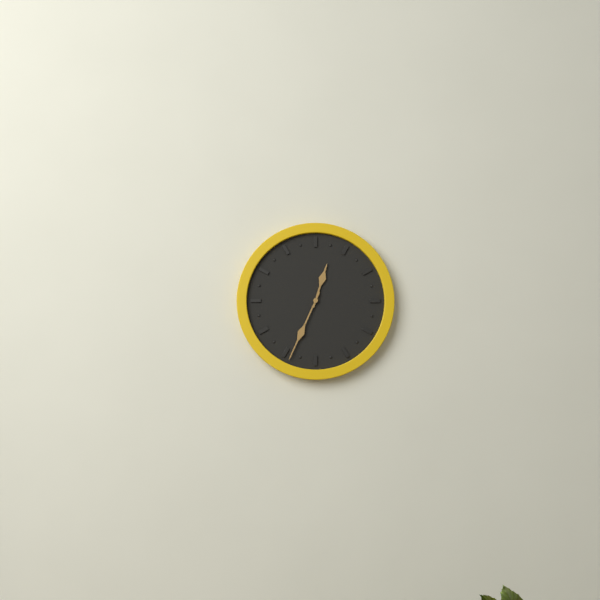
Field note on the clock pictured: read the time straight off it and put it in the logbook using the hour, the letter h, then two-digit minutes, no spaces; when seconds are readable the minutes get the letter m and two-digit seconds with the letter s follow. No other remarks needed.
12h34
